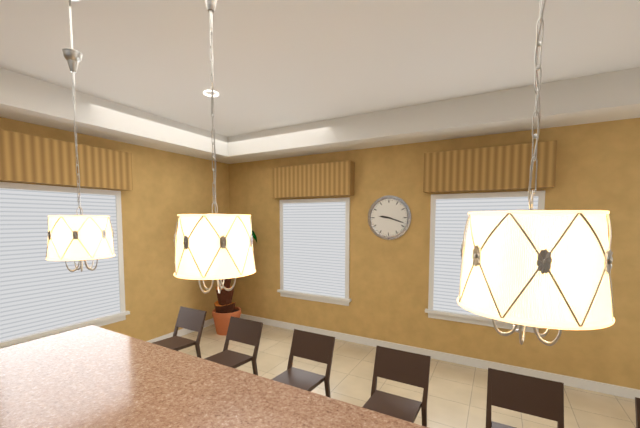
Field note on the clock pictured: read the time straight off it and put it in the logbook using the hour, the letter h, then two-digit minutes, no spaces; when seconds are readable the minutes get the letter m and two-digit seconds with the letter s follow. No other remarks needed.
9h18
